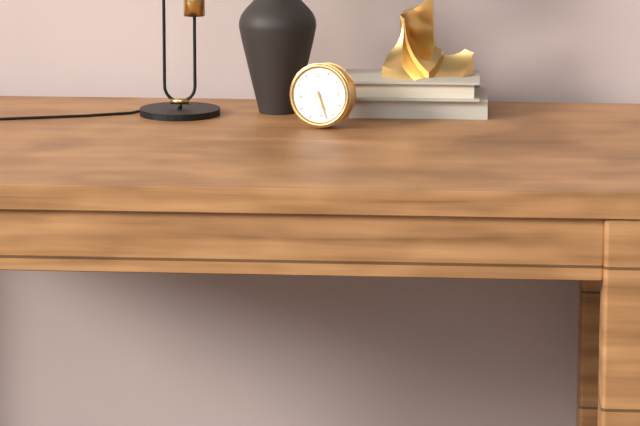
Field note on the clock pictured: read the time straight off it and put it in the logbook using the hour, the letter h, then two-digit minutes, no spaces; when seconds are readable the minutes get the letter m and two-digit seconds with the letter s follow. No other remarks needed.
5h28
